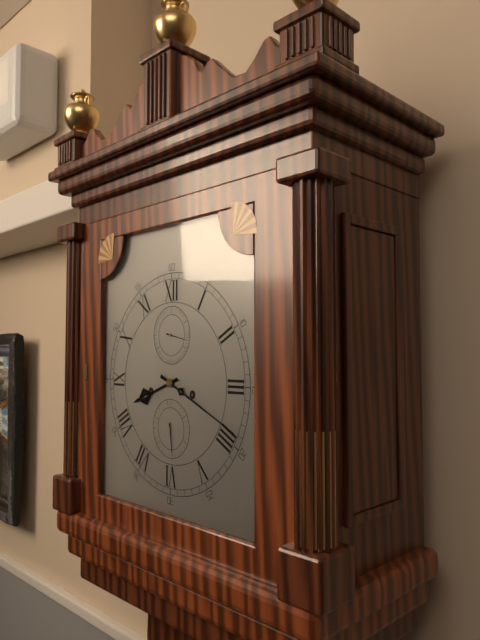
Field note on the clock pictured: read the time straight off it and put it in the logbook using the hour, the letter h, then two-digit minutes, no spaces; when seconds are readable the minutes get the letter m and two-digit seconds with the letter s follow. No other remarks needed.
8h19
